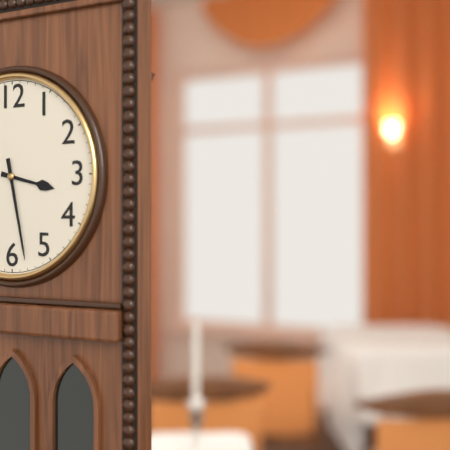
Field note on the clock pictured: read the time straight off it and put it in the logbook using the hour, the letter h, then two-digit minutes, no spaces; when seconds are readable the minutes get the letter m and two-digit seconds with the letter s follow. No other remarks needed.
3h28
